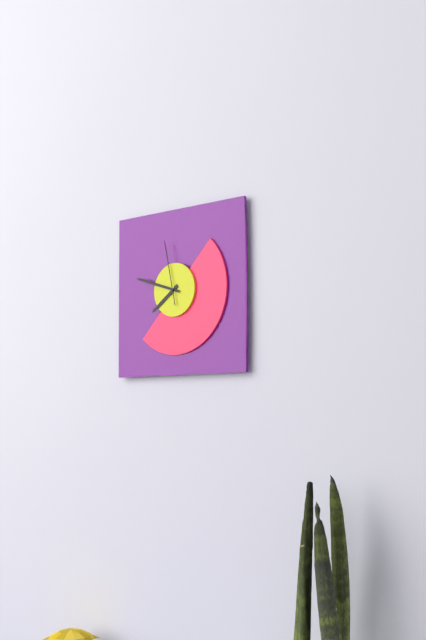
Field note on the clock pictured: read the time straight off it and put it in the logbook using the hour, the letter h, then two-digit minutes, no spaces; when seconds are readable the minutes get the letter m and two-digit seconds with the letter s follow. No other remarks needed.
7h48m58s
